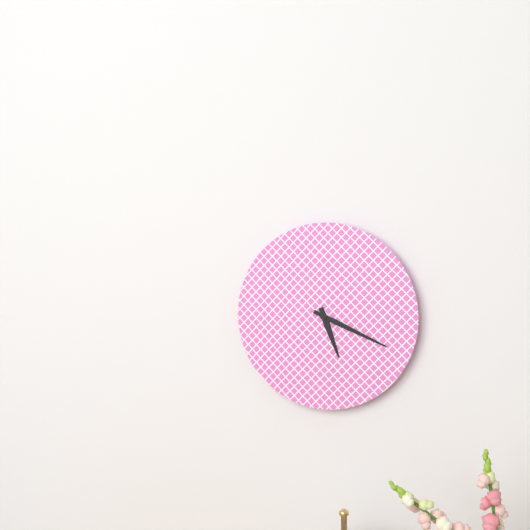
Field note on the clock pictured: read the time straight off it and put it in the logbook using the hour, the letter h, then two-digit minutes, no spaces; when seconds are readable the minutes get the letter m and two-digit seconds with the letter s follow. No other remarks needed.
5h19
